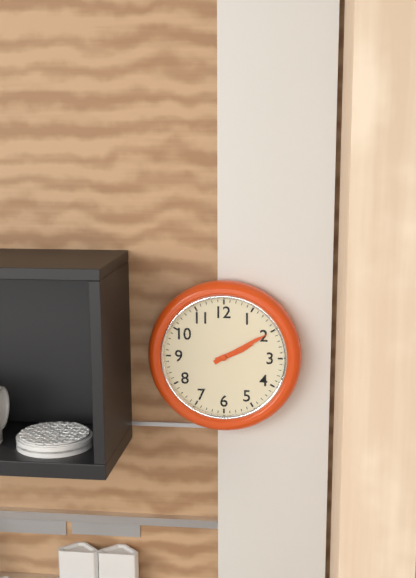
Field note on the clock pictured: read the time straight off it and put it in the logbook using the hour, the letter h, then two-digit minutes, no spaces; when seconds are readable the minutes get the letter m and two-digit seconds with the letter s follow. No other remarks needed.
2h10
